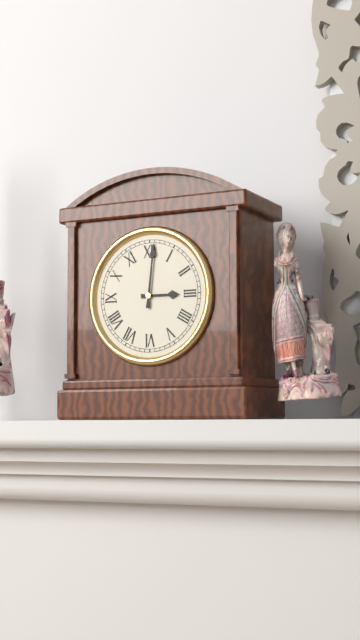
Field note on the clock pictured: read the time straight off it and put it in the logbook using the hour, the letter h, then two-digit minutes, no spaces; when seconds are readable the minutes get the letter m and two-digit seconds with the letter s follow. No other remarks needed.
3h01
